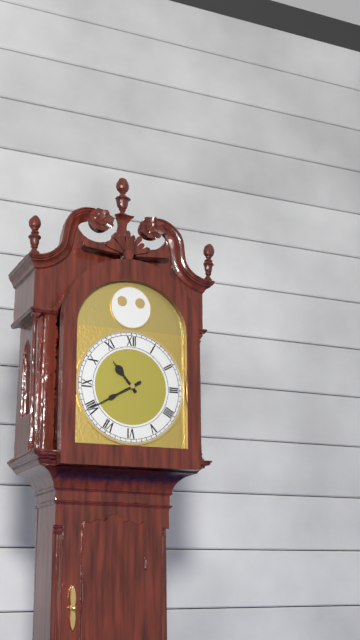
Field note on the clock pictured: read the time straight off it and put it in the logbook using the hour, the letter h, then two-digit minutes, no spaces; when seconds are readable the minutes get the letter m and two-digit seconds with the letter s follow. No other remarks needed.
10h40
